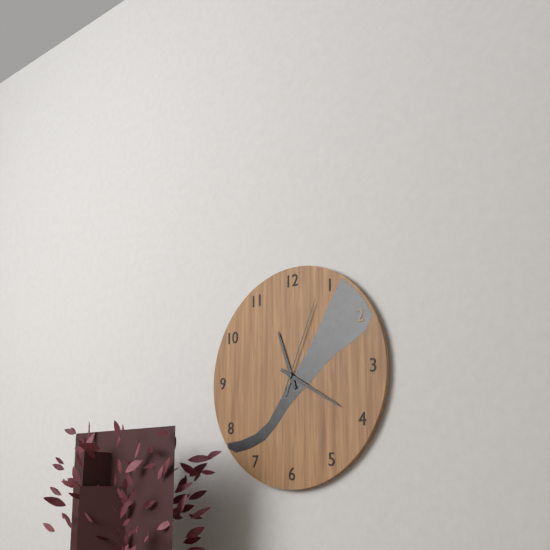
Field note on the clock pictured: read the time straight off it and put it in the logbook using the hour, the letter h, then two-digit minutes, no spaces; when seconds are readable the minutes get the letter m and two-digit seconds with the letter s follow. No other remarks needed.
11h20m04s
